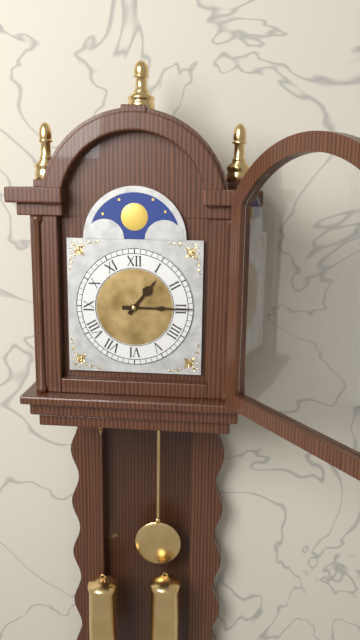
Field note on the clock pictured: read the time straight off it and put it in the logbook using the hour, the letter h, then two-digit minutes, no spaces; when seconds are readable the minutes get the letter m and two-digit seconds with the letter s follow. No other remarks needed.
1h15
